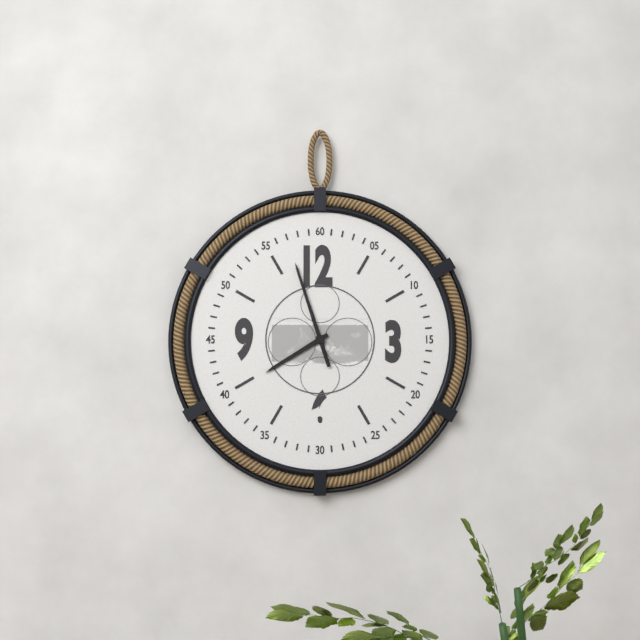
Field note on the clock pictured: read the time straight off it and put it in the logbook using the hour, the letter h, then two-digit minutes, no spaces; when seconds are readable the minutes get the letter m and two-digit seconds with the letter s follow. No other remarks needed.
7h57
